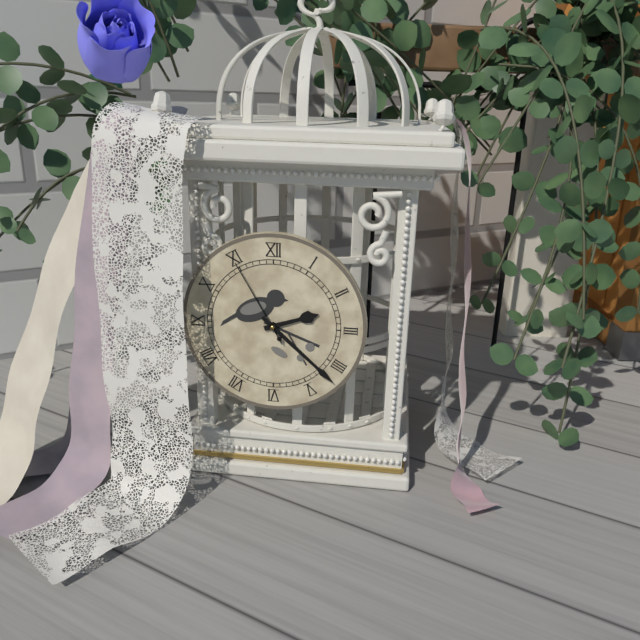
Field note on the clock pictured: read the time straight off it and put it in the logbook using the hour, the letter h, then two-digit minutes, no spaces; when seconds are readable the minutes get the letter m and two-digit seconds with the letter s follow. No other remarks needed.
2h22m55s
